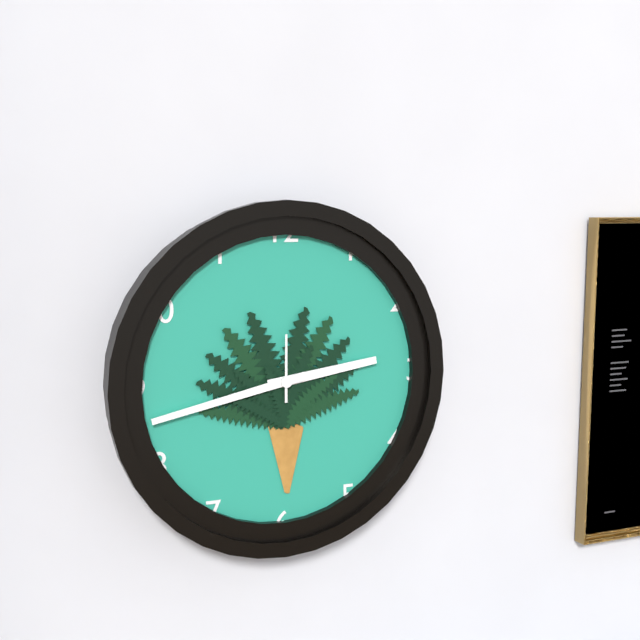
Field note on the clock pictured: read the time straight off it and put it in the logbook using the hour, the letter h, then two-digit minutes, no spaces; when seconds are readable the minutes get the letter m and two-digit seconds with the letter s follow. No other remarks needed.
2h43m00s
